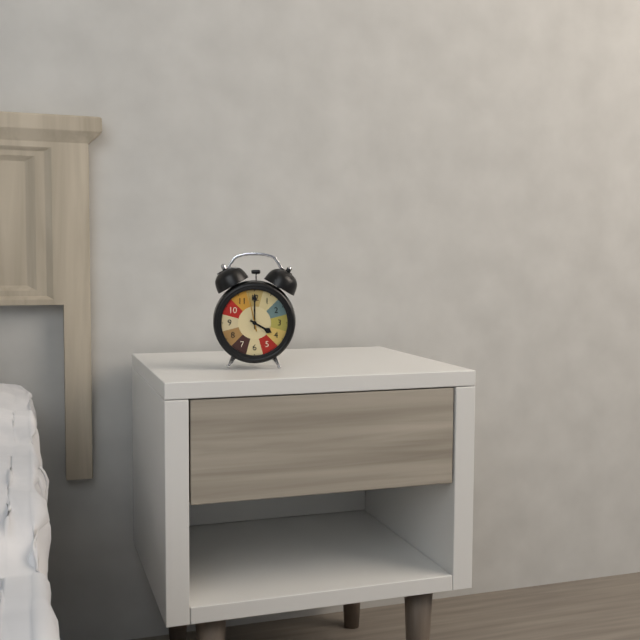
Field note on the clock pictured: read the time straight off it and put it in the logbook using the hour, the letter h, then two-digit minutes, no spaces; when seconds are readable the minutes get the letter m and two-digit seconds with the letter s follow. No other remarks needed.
4h00
